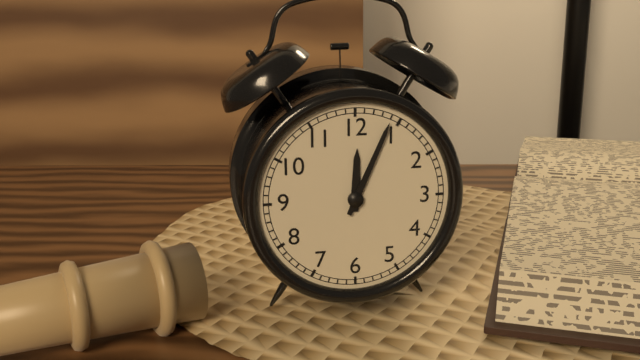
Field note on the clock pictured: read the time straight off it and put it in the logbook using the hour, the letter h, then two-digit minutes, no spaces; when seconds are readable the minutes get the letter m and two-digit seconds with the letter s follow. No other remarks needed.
12h04
